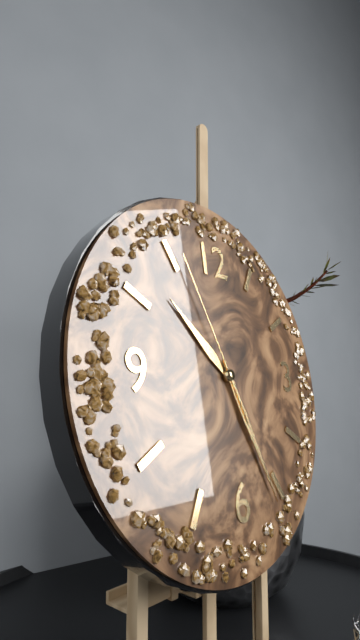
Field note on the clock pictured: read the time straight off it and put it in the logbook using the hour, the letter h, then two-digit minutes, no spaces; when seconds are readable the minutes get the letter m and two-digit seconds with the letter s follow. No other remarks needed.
10h26m56s
